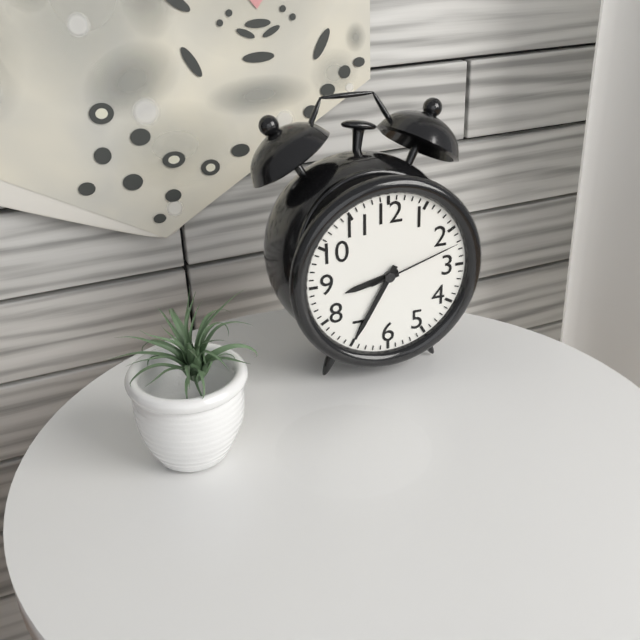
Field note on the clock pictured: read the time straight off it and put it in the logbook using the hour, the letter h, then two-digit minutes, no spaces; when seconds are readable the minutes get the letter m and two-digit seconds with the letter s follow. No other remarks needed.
8h35m12s
